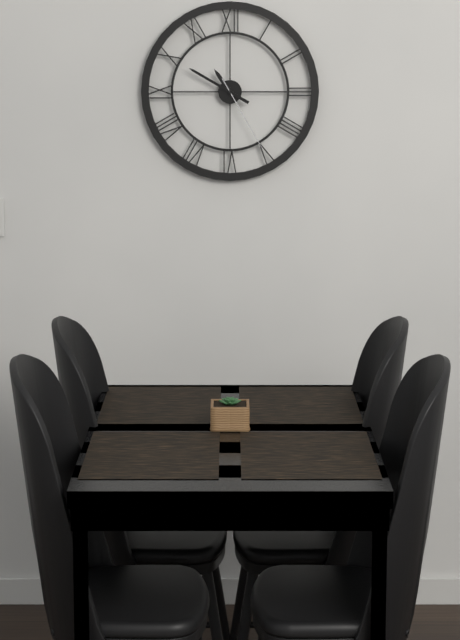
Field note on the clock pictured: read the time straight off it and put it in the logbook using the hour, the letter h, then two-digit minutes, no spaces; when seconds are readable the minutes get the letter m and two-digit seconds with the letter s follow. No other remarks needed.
10h50m25s
